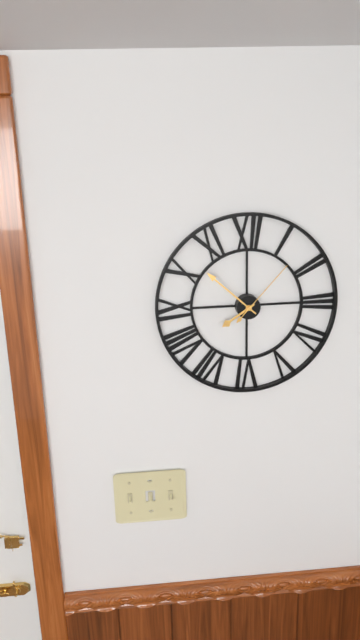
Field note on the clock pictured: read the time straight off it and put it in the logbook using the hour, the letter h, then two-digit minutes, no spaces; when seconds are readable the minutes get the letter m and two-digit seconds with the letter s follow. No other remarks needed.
7h52m07s
